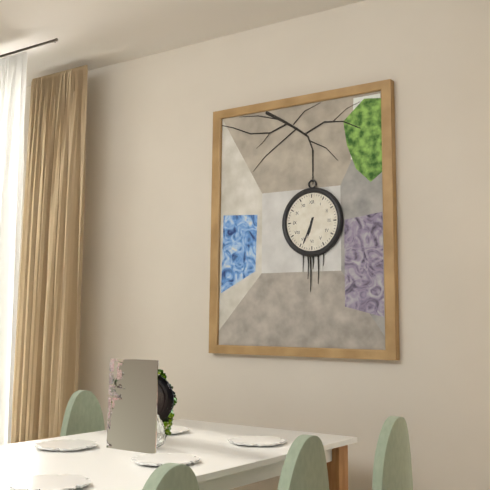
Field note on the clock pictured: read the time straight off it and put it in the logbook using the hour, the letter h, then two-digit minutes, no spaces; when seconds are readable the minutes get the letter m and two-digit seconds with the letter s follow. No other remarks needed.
6h34
